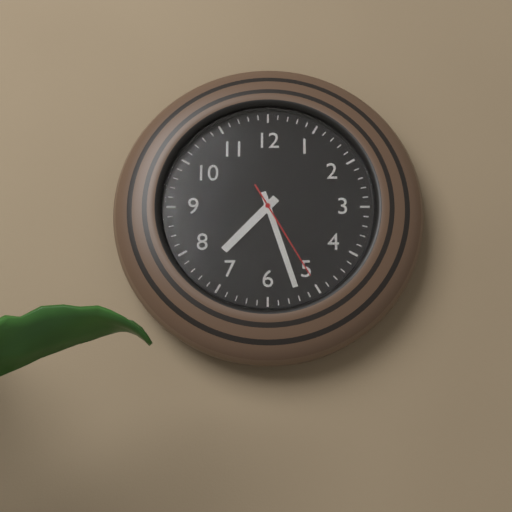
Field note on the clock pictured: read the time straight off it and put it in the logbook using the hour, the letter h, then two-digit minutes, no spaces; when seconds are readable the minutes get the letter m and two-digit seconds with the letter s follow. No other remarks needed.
7h27m25s
